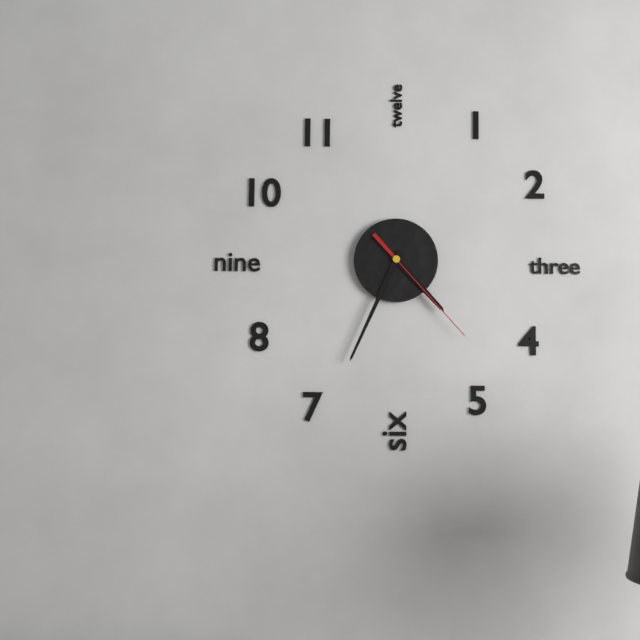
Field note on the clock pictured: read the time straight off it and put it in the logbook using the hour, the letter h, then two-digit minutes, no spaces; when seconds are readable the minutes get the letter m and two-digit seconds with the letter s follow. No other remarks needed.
4h34m23s
